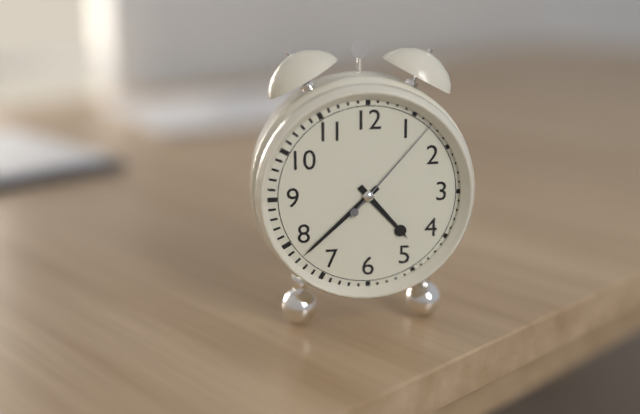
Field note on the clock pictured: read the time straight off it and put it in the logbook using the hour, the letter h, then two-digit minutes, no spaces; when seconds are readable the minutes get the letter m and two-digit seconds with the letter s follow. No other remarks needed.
4h38m07s
